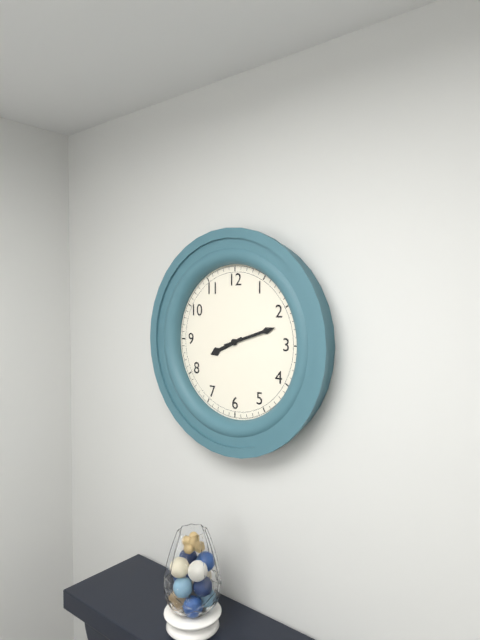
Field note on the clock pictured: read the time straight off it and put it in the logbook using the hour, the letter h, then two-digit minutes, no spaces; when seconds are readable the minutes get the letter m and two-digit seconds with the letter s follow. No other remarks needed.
8h12
